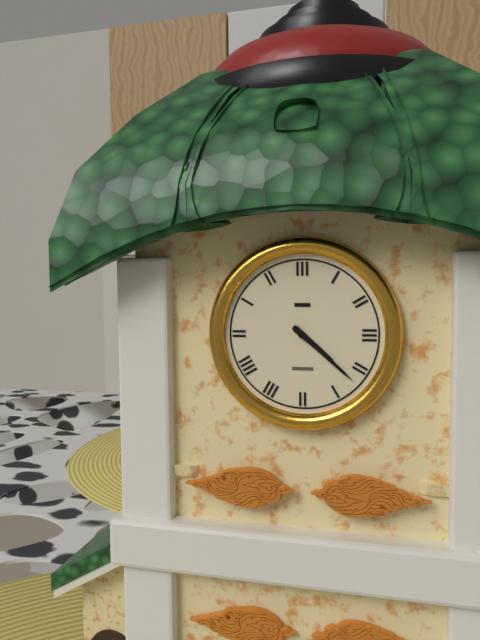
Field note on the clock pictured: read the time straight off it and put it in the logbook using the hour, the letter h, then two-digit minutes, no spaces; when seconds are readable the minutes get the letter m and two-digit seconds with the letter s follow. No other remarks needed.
4h22
